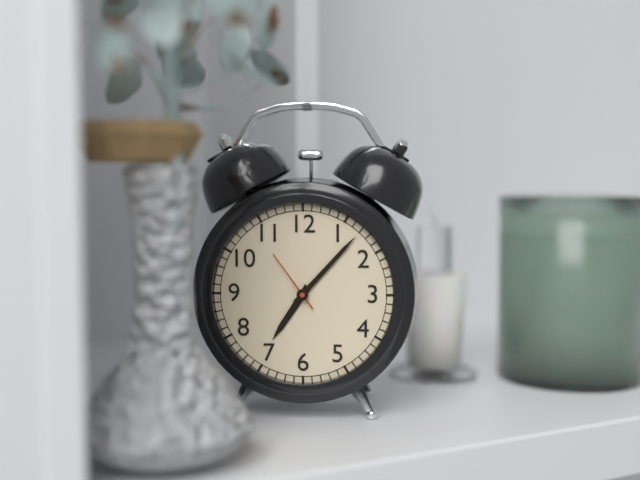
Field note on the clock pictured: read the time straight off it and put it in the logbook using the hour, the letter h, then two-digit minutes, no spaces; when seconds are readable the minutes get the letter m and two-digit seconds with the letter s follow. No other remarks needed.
7h07m54s
